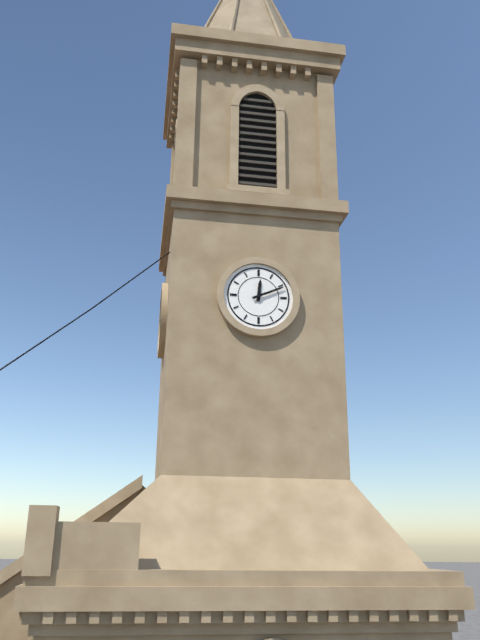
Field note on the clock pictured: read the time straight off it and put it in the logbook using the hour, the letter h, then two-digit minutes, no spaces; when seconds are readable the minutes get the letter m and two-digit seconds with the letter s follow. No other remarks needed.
12h11
